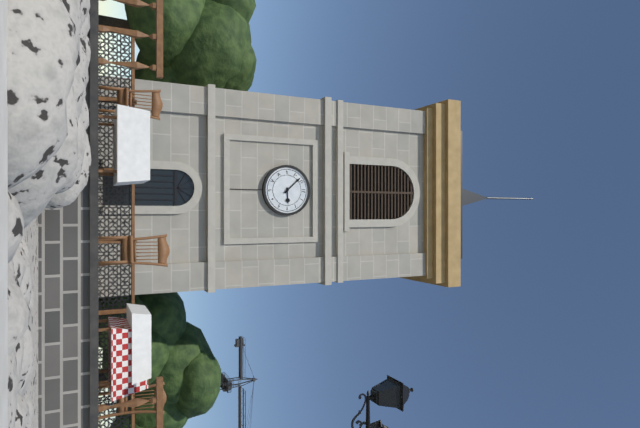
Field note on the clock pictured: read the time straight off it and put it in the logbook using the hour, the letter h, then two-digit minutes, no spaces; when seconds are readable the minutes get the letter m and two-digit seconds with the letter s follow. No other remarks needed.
2h53
